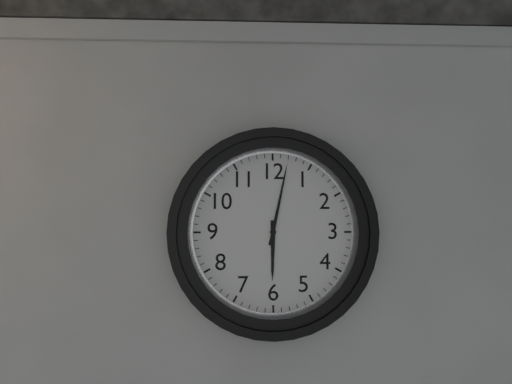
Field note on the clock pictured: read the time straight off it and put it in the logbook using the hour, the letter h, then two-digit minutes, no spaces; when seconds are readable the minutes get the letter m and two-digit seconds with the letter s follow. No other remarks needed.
6h02
